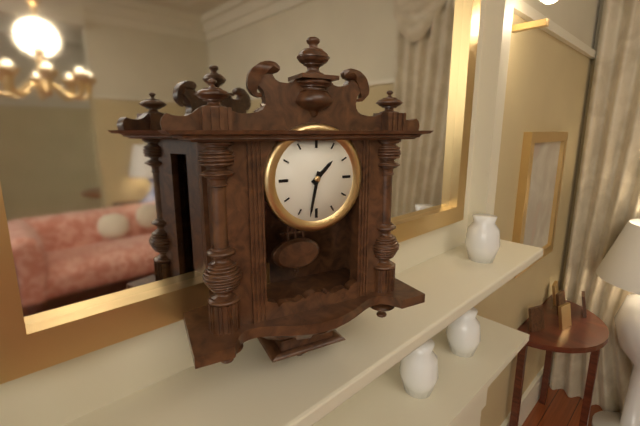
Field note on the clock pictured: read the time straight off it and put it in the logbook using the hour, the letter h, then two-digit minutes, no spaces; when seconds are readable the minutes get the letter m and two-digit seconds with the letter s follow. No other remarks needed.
1h32
